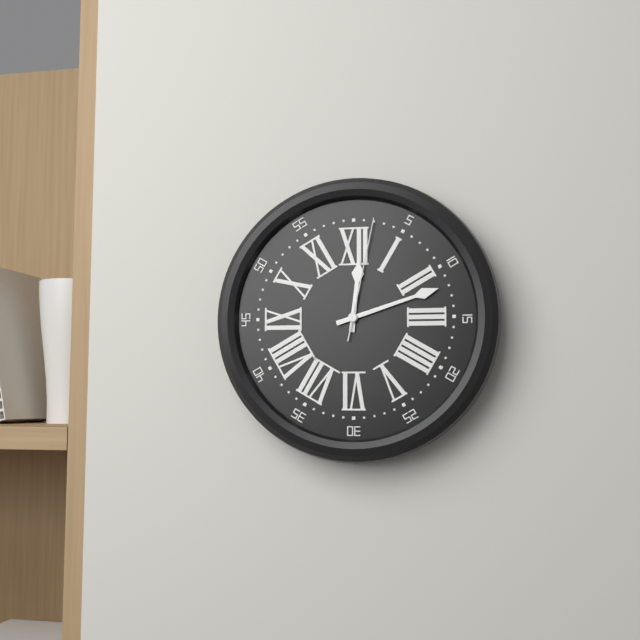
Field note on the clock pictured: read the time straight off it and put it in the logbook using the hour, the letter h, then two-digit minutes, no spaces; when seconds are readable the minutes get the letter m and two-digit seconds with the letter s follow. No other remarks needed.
12h12m02s
